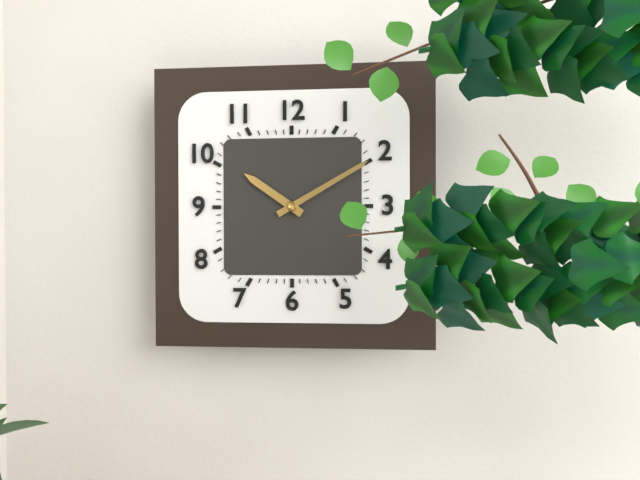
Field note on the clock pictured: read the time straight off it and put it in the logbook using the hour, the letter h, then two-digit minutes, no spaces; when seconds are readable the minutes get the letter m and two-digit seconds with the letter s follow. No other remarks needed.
10h10
